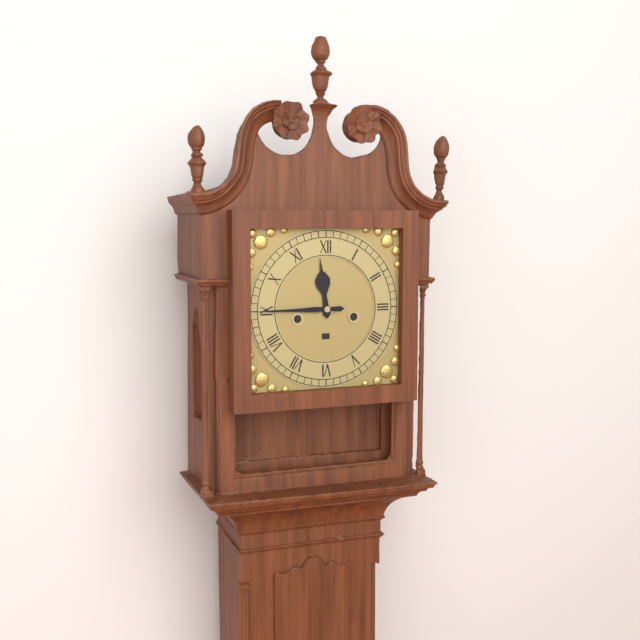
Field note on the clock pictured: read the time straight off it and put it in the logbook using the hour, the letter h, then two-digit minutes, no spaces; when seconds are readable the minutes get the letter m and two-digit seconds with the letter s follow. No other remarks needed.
11h45
